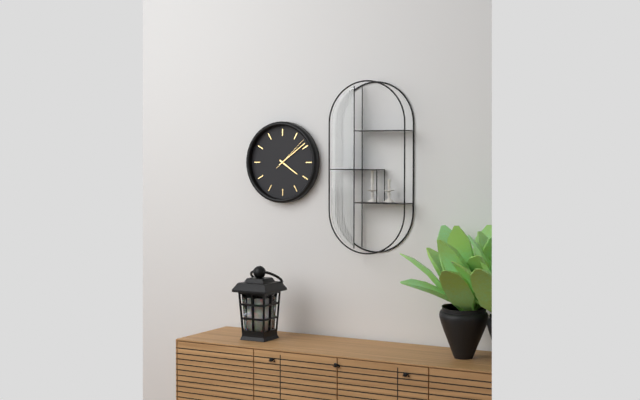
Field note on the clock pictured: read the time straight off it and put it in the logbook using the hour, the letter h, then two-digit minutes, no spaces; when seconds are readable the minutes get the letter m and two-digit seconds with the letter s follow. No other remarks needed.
4h09
